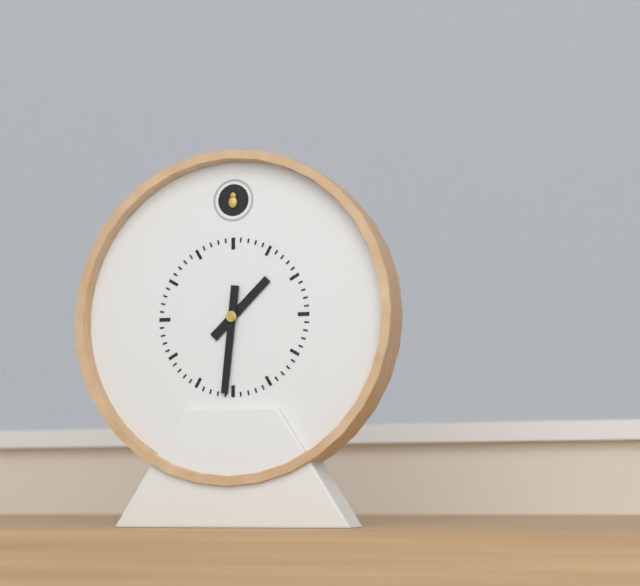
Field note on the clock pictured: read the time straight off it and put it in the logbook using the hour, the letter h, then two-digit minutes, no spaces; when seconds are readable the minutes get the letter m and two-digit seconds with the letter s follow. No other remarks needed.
1h31
